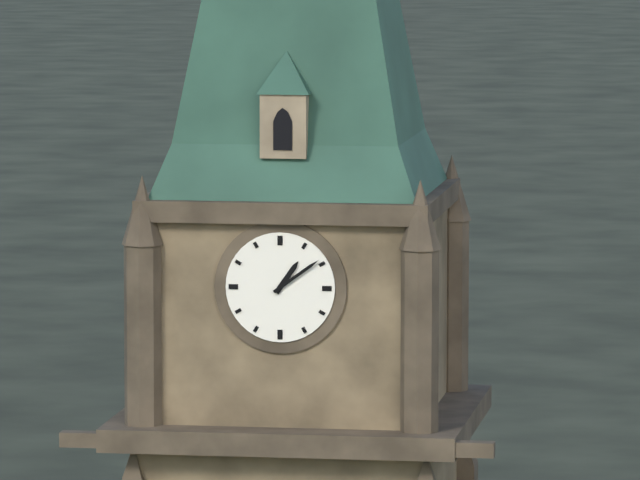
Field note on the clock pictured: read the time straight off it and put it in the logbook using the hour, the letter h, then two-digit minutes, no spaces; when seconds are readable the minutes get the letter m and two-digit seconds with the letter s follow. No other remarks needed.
1h09
